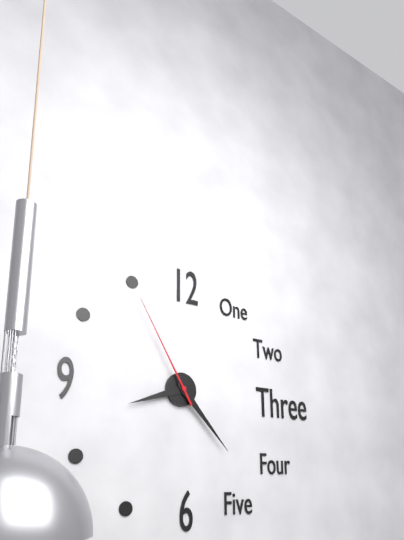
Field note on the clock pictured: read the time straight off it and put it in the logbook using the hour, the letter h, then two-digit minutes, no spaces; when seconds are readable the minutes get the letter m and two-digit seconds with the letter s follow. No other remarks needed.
8h23m55s
